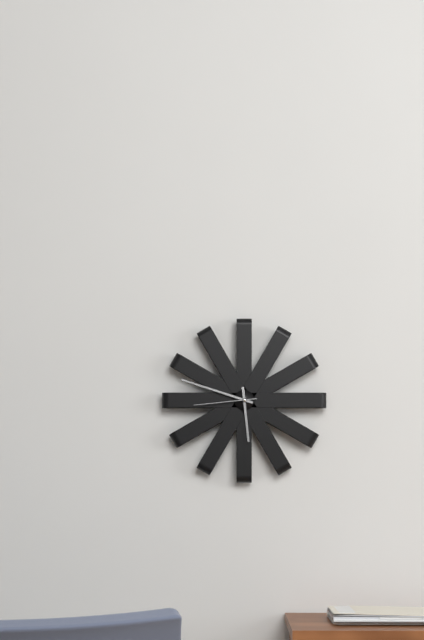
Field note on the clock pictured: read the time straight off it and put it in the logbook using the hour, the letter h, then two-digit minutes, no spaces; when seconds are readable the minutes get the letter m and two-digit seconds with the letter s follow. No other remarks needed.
5h48m44s
